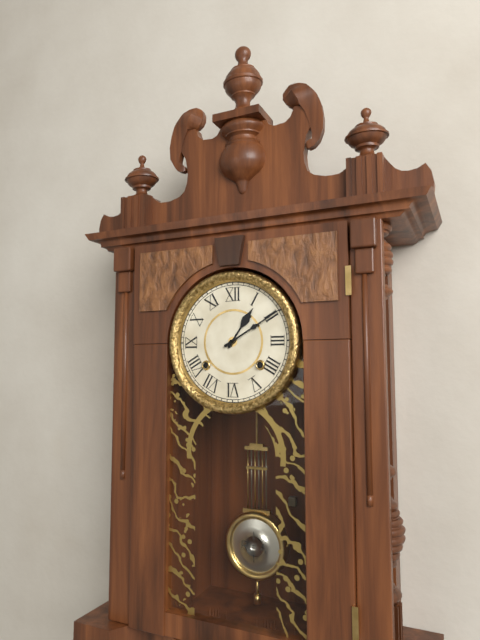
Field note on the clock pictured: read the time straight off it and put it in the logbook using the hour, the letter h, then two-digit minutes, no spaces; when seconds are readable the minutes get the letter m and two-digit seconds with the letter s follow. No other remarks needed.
1h10
